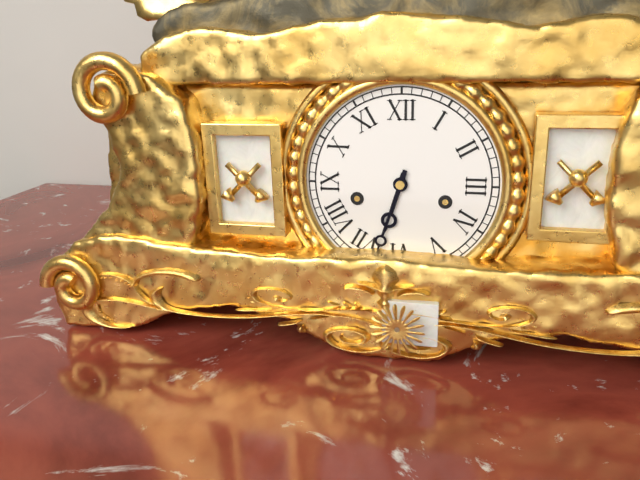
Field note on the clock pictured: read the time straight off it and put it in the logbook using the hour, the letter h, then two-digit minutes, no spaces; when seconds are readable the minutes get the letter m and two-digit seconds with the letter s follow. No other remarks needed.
6h33
